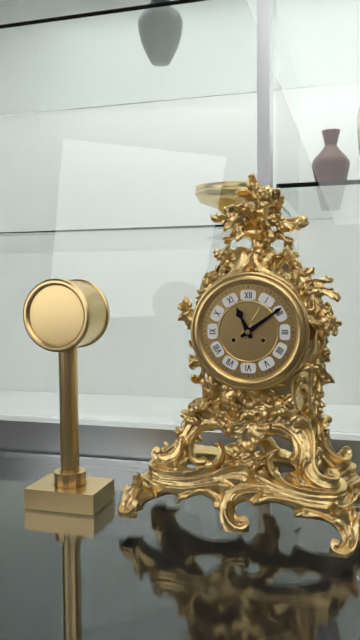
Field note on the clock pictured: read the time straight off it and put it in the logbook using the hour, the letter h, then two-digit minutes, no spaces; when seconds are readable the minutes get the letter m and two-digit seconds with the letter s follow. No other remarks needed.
11h09
